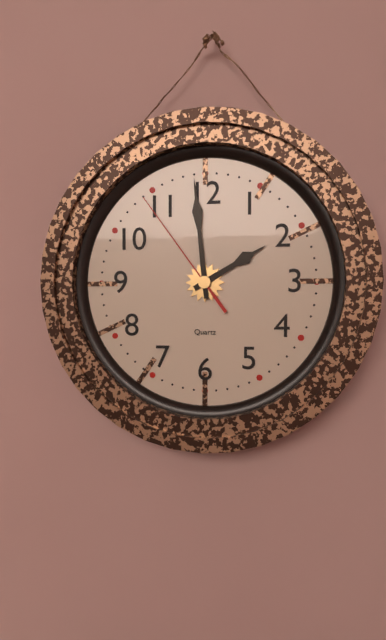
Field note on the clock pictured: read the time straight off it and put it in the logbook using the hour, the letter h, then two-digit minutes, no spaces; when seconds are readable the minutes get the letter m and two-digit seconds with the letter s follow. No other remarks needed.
1h59m54s
